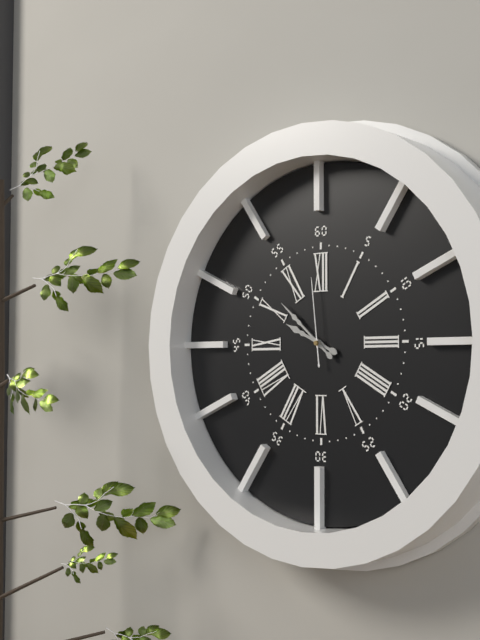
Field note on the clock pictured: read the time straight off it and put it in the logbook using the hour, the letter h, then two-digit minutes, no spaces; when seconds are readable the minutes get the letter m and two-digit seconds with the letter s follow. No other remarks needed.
9h52m59s
